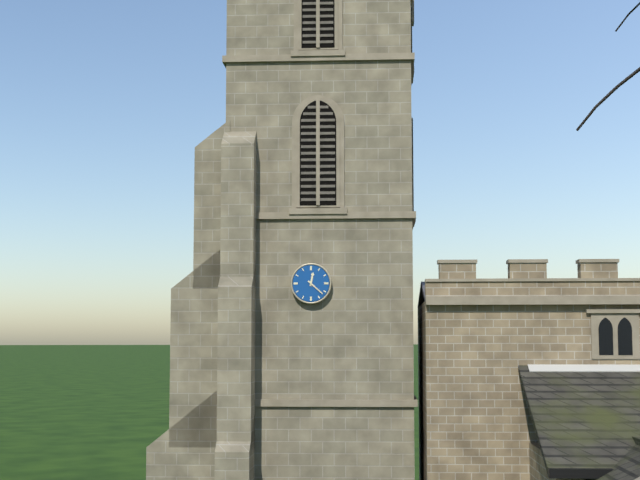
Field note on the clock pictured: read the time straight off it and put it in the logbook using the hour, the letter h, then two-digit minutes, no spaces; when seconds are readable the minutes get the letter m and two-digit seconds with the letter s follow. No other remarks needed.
12h22
